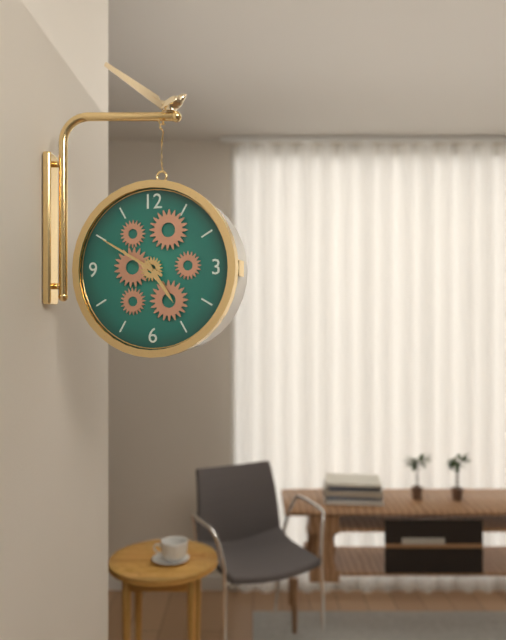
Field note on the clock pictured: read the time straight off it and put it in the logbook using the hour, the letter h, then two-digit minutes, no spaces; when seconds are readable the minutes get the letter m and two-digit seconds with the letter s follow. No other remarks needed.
4h50
